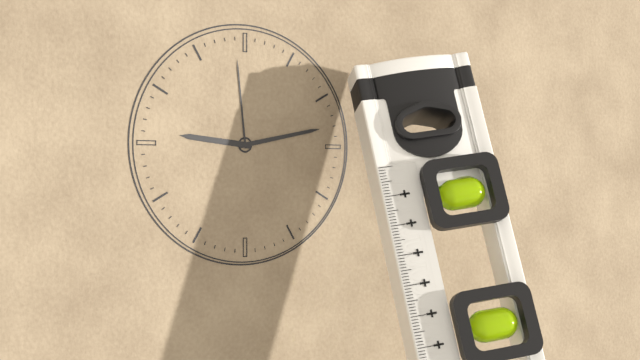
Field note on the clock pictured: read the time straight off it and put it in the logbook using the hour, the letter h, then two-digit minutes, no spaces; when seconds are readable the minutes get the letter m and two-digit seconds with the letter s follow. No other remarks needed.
9h13m59s
